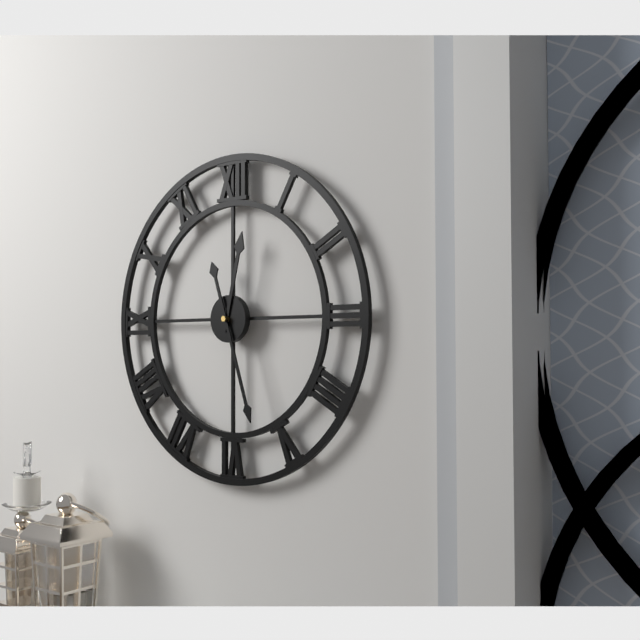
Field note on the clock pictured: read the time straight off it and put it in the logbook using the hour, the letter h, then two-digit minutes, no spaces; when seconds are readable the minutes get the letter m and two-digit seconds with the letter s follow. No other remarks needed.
12h27
